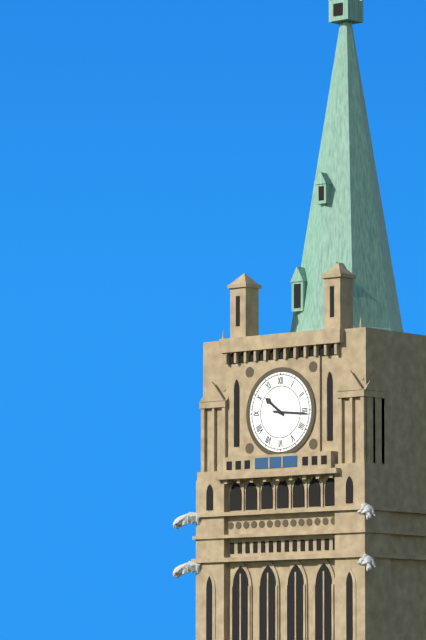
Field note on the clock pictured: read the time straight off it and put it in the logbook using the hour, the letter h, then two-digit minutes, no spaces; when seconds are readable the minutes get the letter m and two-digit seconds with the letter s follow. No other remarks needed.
10h16
